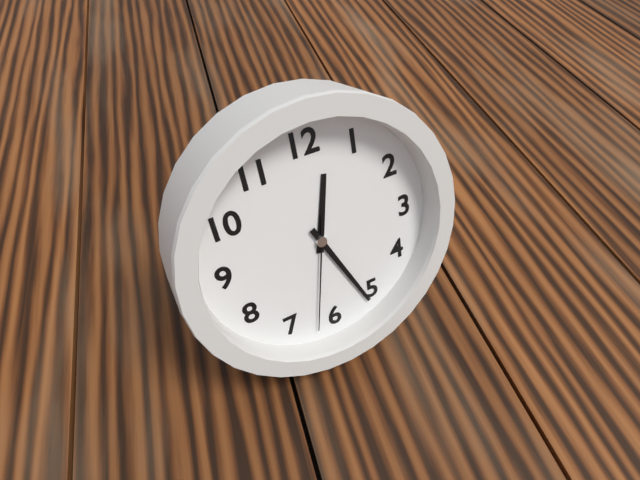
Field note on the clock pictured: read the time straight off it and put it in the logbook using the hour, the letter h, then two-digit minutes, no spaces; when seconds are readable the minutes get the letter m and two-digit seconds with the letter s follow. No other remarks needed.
12h26m32s
